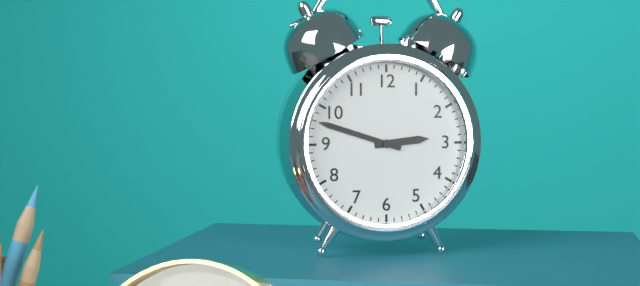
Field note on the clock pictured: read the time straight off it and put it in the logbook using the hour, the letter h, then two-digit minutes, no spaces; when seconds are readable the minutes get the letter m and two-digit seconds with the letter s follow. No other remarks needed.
2h48
